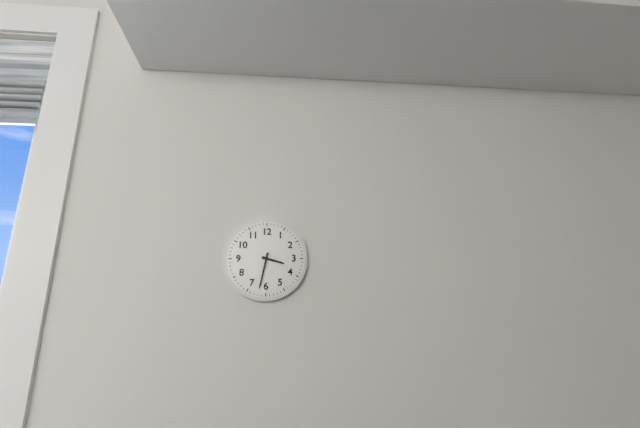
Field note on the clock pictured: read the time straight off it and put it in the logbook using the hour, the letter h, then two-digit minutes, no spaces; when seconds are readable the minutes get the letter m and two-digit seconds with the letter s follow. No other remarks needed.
3h32
